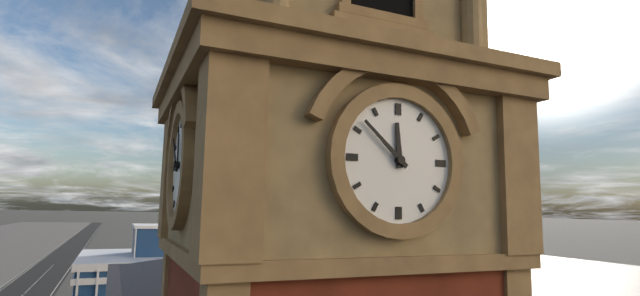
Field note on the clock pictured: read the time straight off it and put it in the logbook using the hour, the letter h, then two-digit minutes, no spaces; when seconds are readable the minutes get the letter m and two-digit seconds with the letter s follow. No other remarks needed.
11h52
